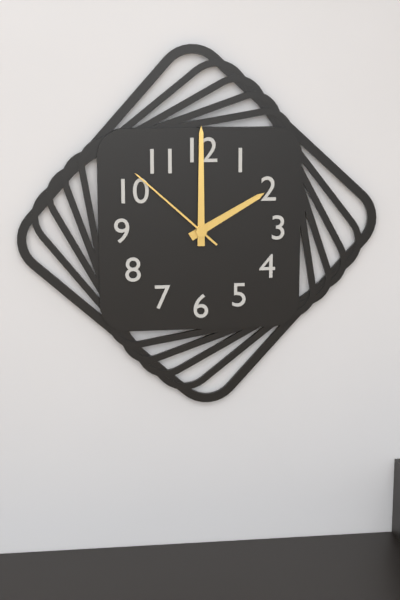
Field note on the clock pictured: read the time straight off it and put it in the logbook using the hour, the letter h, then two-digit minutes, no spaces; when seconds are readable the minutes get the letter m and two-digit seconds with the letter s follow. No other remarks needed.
2h00m52s
